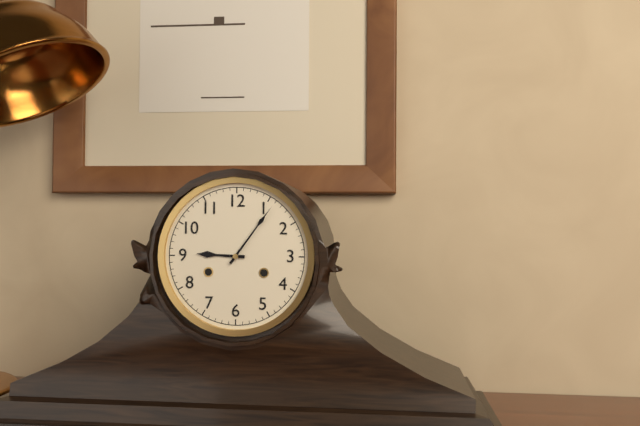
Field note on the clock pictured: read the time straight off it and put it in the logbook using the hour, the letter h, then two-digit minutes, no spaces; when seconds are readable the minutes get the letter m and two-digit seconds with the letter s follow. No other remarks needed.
9h06
